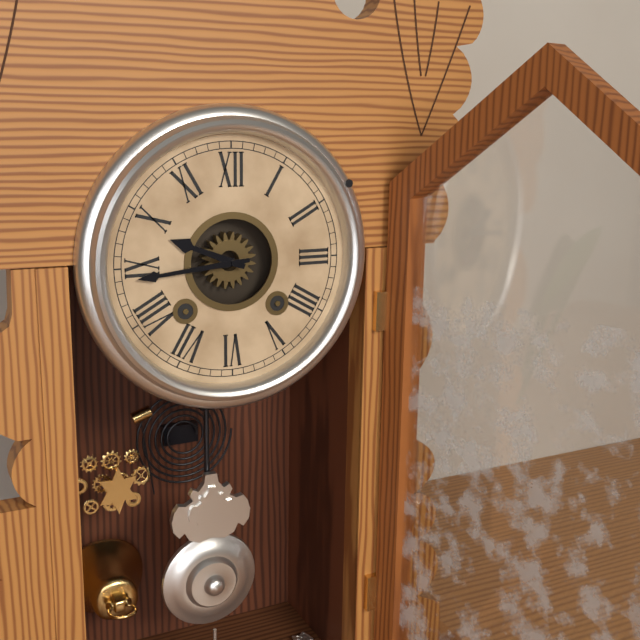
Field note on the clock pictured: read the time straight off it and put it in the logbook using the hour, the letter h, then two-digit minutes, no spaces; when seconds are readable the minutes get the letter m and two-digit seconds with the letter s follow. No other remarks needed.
9h44
